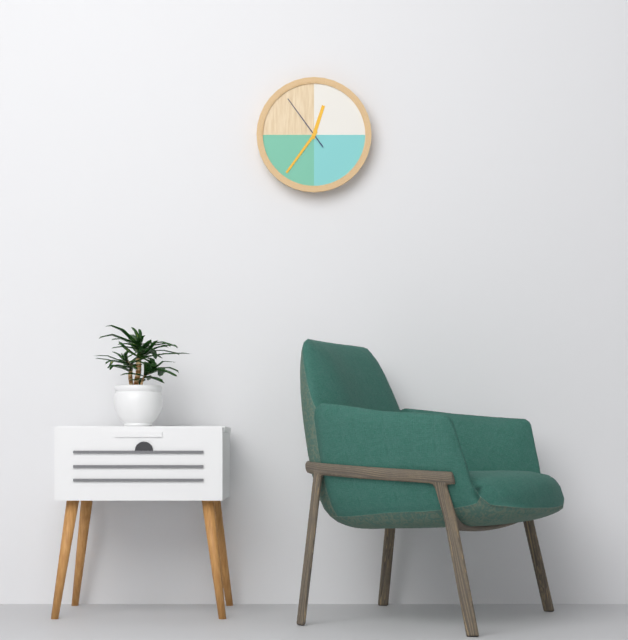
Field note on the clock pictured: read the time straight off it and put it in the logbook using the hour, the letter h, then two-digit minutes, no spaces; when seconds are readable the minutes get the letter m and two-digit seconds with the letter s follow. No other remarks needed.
12h36m54s
